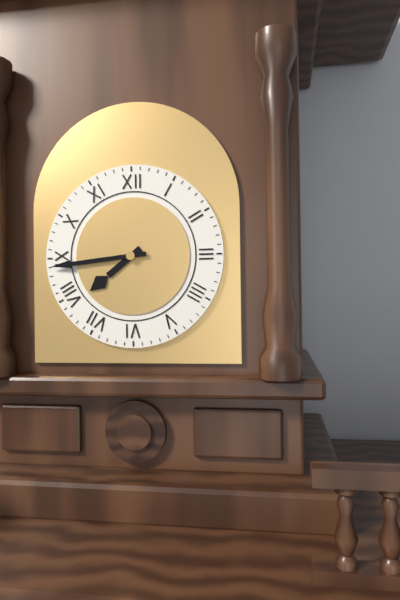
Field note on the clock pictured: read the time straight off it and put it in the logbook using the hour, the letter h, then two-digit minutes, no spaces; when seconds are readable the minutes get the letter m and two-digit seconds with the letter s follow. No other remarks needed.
7h44
